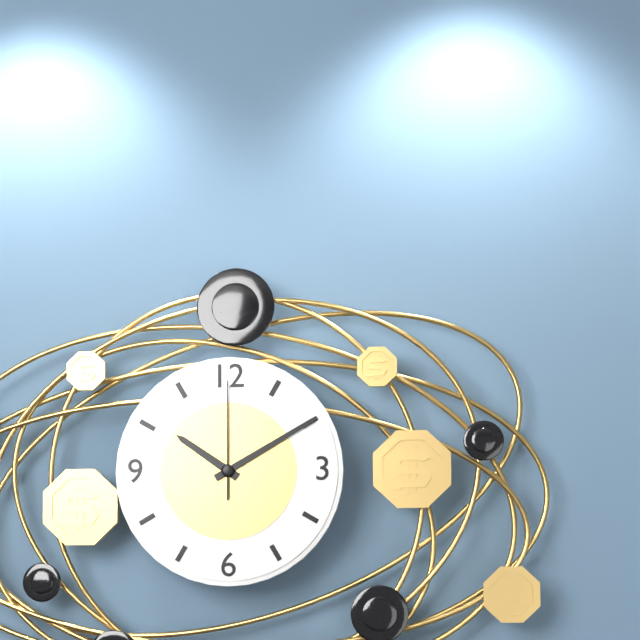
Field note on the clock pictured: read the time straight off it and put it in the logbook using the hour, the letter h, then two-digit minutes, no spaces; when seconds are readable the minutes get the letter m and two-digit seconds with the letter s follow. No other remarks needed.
10h10m00s
